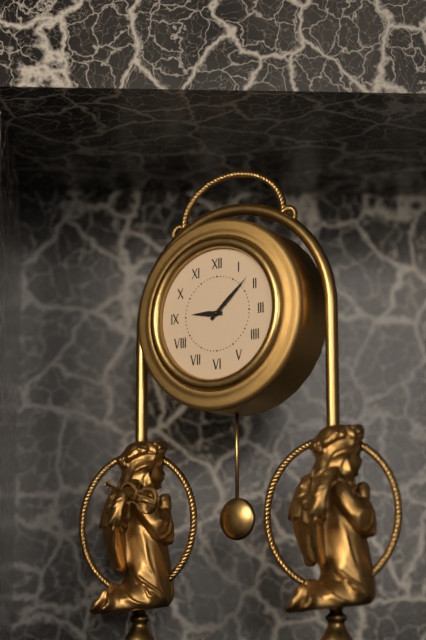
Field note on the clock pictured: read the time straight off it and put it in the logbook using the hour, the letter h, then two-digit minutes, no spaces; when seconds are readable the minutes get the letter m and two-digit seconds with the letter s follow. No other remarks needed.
9h08
